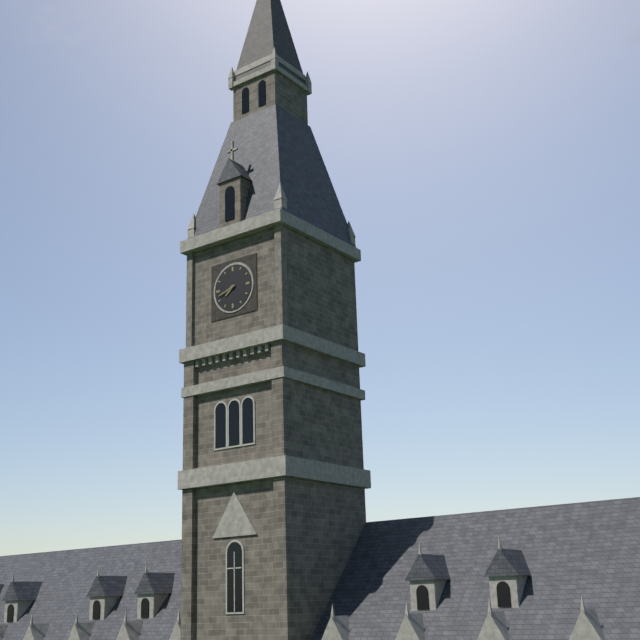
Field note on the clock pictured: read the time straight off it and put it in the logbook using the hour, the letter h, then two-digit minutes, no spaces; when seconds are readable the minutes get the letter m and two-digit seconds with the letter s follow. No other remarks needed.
7h42
